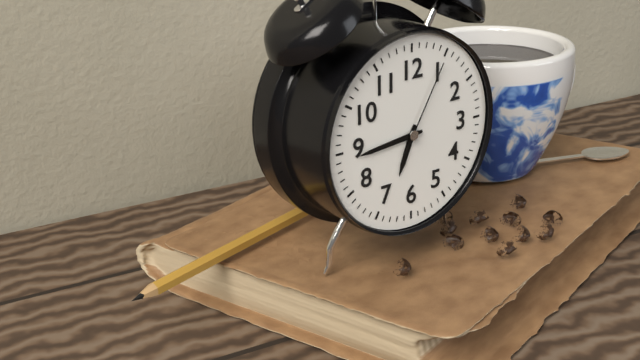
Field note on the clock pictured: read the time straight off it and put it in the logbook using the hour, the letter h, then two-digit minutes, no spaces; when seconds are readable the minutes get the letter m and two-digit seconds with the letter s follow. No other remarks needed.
6h44m05s
